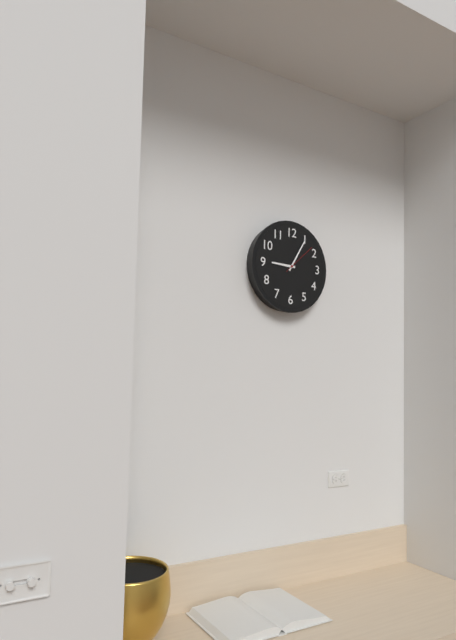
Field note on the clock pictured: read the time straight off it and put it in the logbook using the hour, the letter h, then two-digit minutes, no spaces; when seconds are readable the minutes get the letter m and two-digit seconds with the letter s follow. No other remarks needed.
9h05
